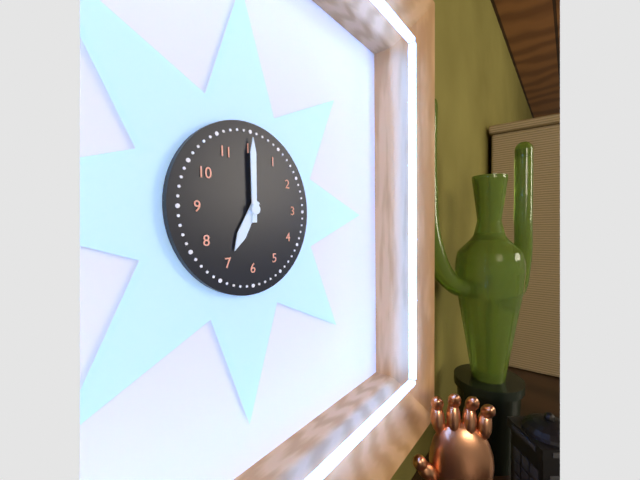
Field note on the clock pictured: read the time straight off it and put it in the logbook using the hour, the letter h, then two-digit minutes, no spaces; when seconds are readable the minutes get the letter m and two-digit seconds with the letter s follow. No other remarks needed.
7h00
